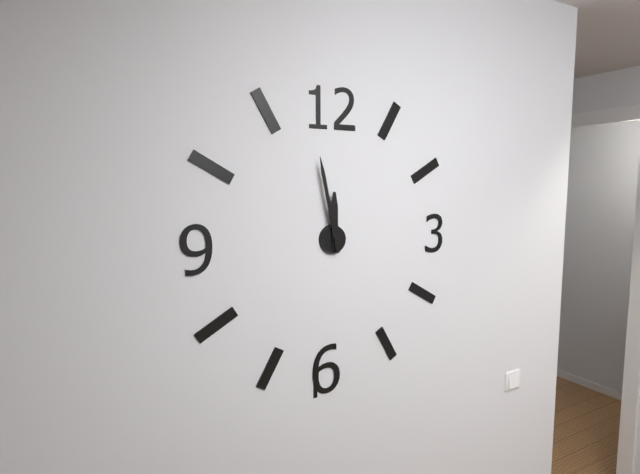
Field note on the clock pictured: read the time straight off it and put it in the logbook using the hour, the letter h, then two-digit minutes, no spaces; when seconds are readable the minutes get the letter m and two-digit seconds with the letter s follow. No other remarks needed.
11h58
